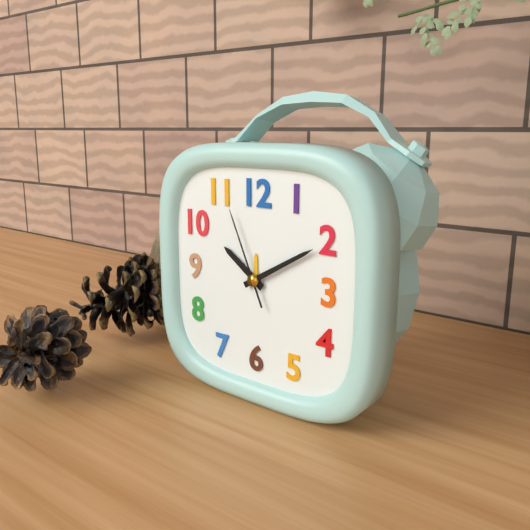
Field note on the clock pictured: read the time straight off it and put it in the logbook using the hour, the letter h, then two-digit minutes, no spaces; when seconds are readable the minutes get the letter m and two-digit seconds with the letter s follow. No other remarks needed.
10h10m56s
